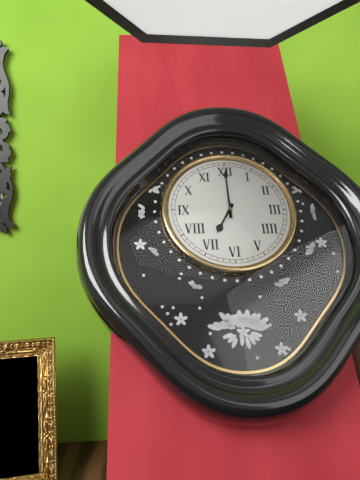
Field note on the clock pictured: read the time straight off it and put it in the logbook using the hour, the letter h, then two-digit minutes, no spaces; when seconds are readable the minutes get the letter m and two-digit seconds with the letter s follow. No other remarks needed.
7h00
